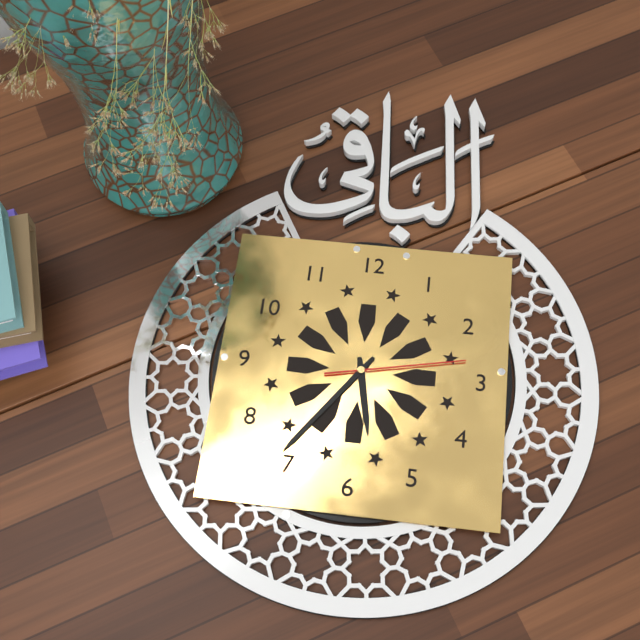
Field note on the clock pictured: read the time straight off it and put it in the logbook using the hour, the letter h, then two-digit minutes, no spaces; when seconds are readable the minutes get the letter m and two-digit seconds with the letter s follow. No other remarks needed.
5h36m13s
